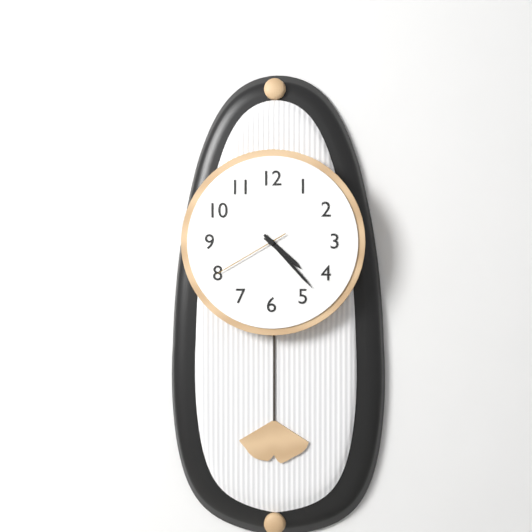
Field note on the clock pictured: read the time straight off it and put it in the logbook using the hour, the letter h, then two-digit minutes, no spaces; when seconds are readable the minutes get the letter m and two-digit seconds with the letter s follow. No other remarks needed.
4h23m40s
